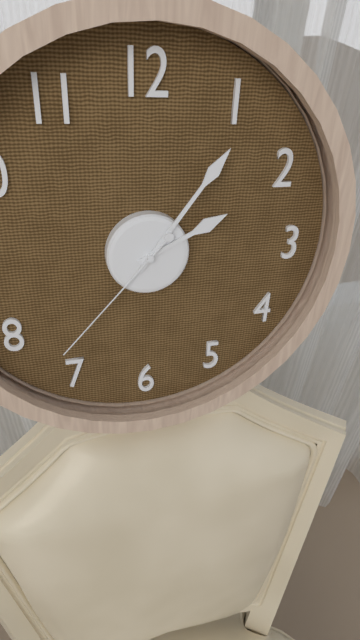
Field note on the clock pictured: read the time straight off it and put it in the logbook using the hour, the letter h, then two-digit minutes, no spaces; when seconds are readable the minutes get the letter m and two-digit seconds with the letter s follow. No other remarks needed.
2h06m37s
